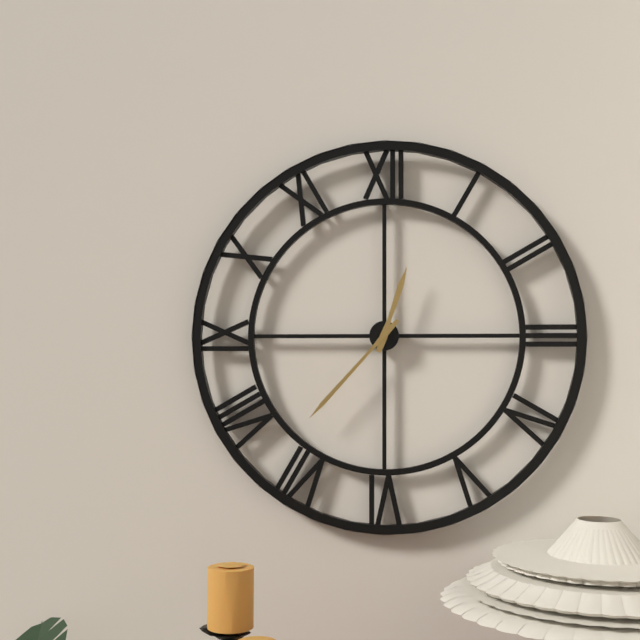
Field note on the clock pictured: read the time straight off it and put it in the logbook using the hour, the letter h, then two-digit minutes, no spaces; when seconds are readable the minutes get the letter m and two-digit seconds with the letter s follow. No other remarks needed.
12h37
